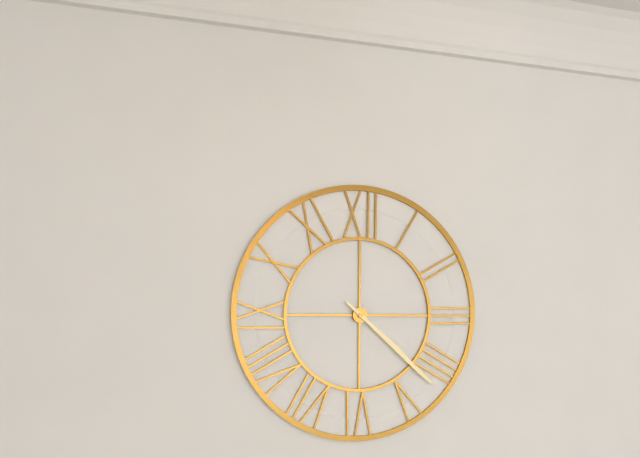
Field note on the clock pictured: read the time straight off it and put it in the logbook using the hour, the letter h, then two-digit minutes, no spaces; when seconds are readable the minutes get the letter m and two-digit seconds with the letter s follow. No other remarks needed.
4h22
